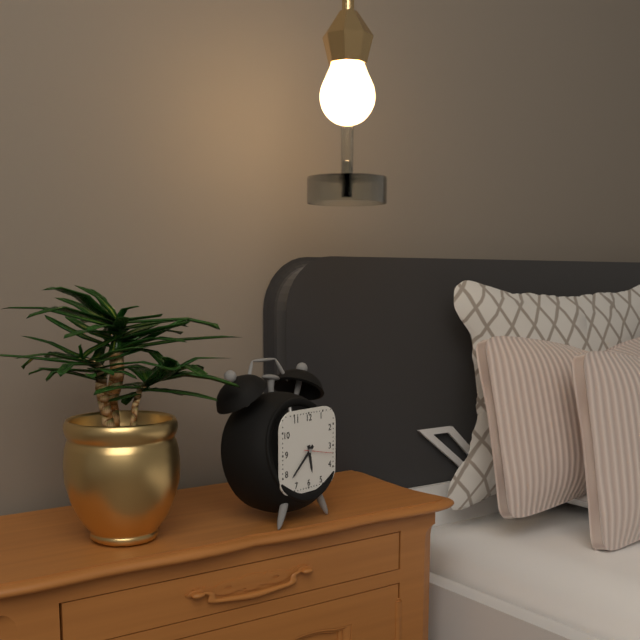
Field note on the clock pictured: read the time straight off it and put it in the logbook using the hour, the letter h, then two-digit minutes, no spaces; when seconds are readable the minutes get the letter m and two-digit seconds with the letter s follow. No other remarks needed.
5h38
